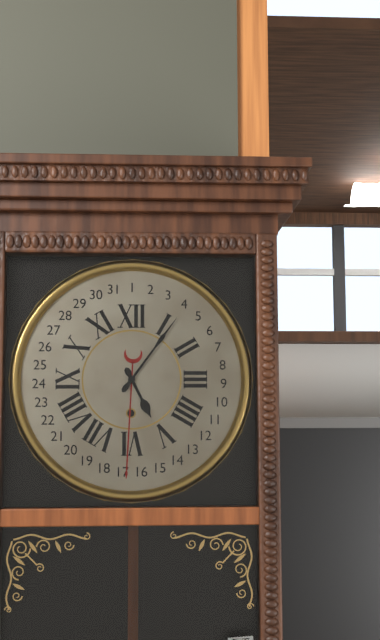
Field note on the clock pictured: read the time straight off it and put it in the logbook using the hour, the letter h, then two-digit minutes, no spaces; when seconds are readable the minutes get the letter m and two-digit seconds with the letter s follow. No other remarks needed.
5h06
